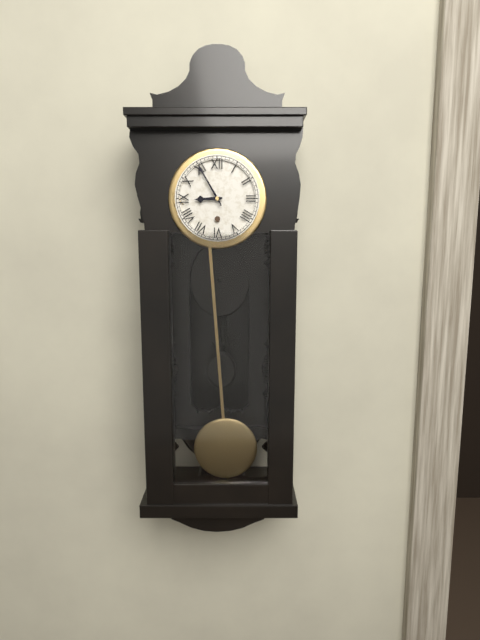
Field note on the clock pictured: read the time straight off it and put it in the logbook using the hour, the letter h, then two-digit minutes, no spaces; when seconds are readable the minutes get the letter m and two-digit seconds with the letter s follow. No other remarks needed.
8h55
